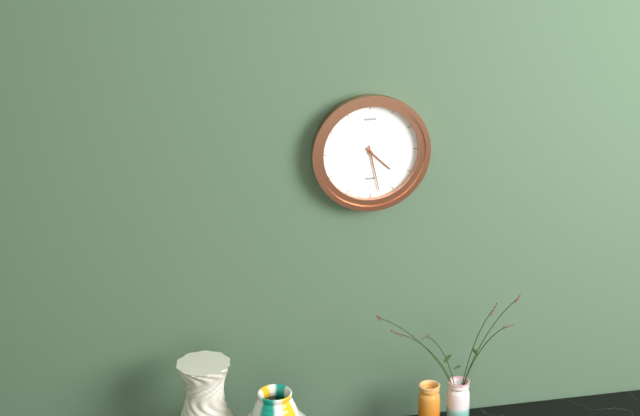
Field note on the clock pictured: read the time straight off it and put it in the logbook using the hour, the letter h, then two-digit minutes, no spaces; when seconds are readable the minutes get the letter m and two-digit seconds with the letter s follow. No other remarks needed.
4h28
